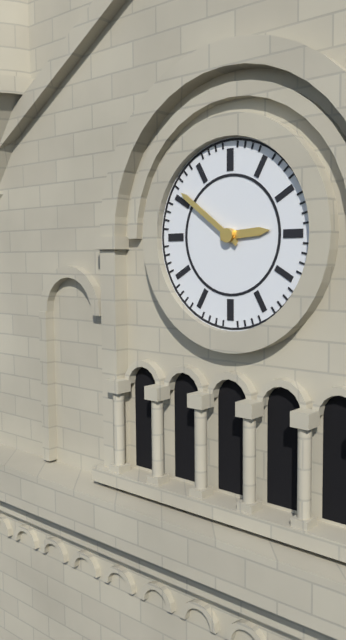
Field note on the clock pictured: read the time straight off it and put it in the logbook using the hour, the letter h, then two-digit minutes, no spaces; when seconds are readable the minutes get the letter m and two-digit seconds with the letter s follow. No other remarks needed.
2h51
